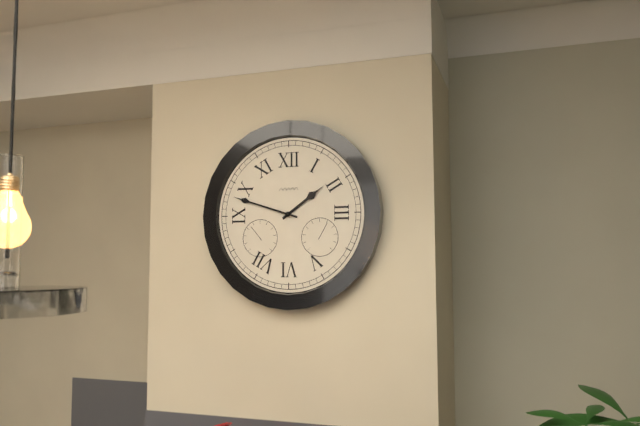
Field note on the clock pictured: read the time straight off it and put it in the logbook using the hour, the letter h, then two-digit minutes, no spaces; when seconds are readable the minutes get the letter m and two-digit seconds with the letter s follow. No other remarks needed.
1h48
